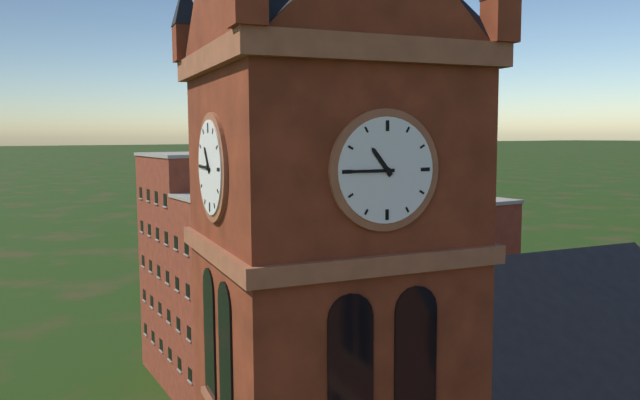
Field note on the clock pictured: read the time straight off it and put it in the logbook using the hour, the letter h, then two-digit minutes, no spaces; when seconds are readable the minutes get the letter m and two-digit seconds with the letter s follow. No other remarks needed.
10h45
